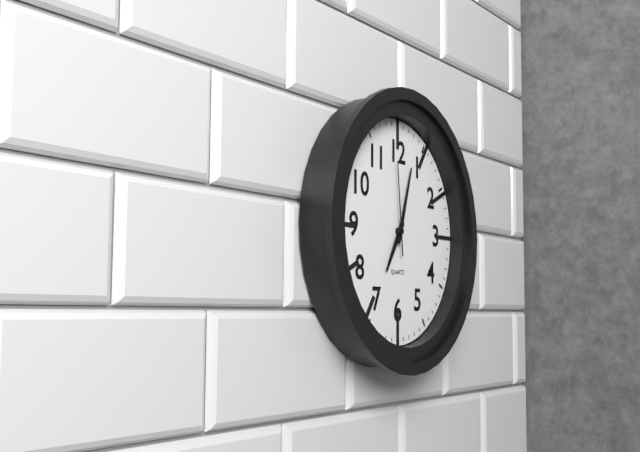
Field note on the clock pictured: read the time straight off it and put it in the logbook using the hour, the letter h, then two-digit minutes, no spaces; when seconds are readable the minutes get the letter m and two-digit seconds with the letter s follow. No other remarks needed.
7h03m59s
